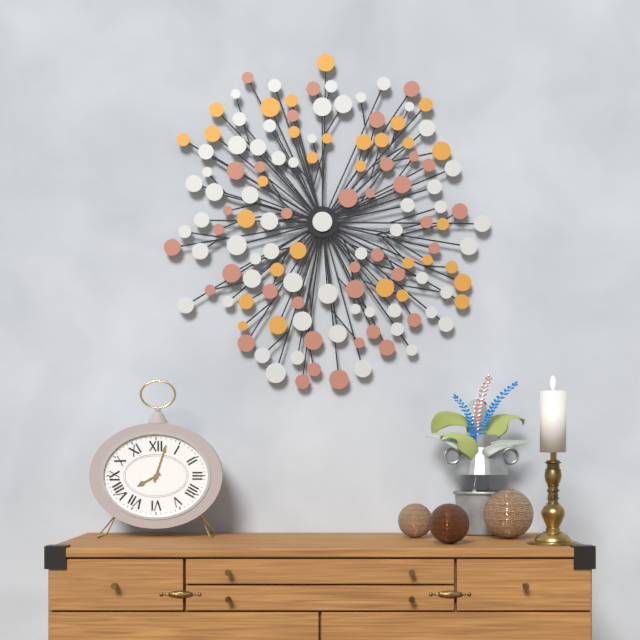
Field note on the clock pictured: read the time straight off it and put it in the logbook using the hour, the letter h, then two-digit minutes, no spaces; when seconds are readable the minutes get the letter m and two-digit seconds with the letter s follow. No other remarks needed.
8h03
